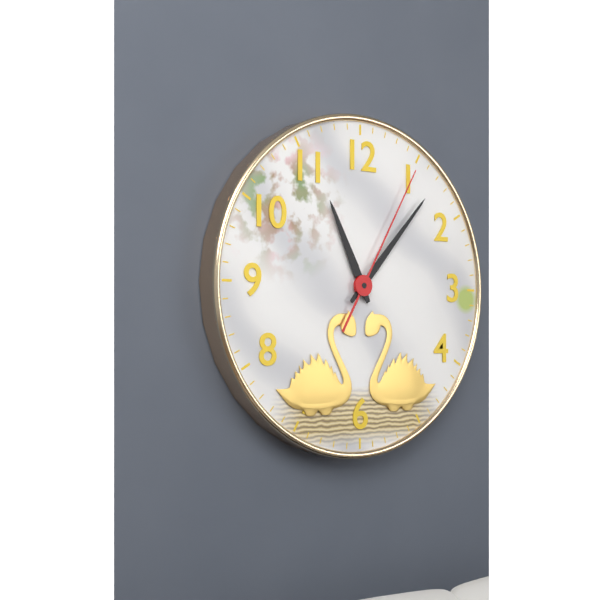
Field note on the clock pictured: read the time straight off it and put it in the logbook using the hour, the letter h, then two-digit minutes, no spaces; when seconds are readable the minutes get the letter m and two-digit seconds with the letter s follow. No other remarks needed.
11h07m05s
